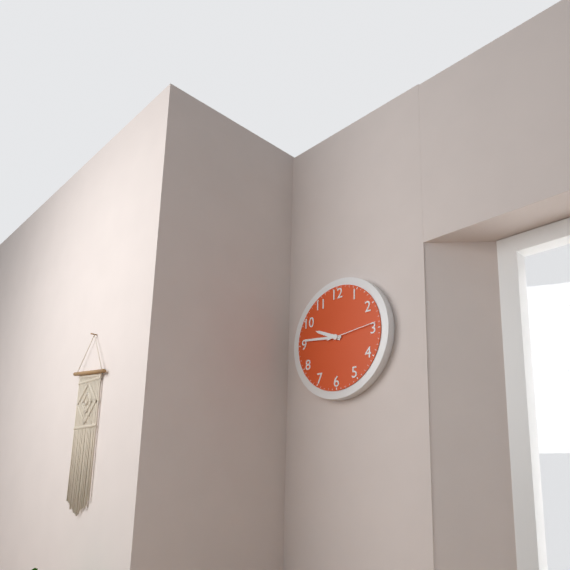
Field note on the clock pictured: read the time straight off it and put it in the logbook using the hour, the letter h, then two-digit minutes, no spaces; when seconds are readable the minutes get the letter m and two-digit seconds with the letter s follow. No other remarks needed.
9h46m14s
